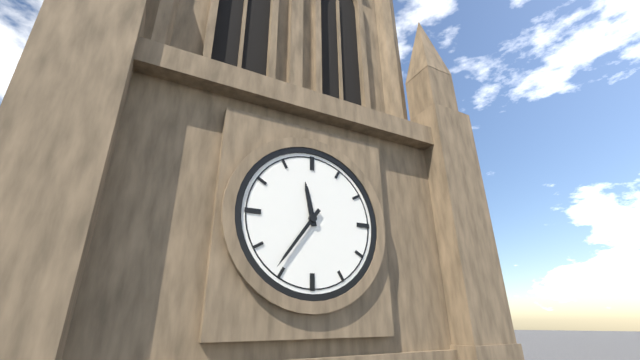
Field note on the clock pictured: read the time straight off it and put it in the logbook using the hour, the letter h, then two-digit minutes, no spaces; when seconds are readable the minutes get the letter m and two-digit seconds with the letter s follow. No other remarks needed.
11h36
